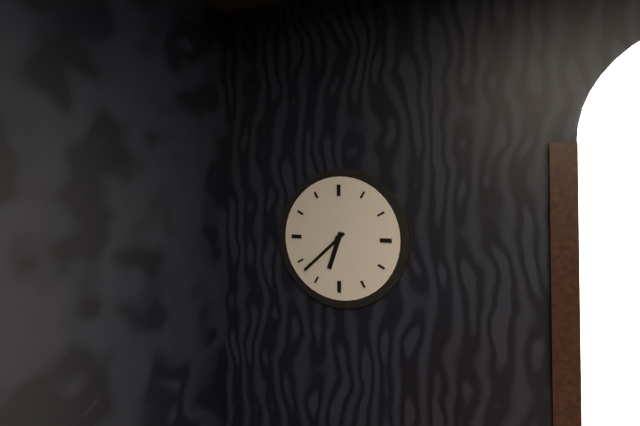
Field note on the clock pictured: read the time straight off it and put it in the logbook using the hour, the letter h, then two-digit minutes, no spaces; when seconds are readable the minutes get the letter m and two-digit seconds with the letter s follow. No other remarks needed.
6h38
